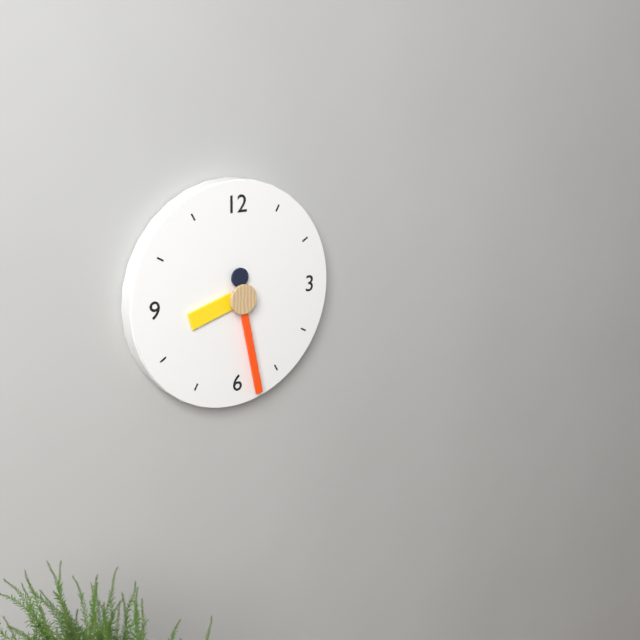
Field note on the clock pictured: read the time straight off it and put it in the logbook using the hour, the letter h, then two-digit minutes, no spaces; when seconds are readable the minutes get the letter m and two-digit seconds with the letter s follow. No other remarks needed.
8h28
